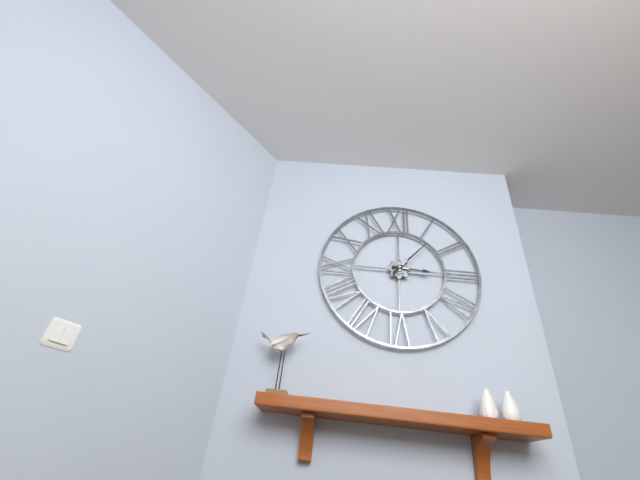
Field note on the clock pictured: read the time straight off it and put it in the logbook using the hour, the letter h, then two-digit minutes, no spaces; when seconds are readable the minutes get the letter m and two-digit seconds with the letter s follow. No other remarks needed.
3h07
